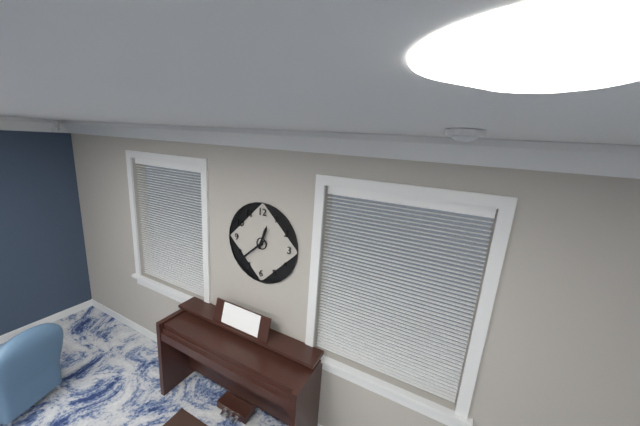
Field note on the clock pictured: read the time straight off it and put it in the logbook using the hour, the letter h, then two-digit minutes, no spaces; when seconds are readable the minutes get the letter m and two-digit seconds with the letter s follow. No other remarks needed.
12h38
